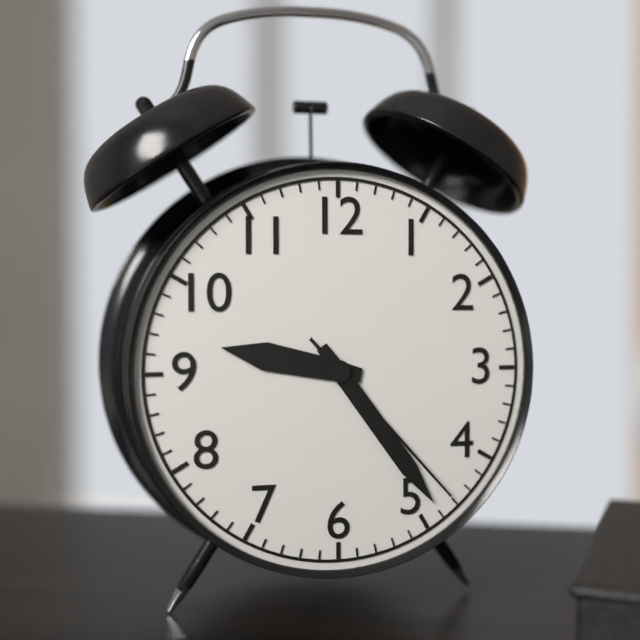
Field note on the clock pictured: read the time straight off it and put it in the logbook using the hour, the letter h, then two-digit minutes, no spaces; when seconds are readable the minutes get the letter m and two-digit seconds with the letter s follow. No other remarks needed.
9h24m23s
